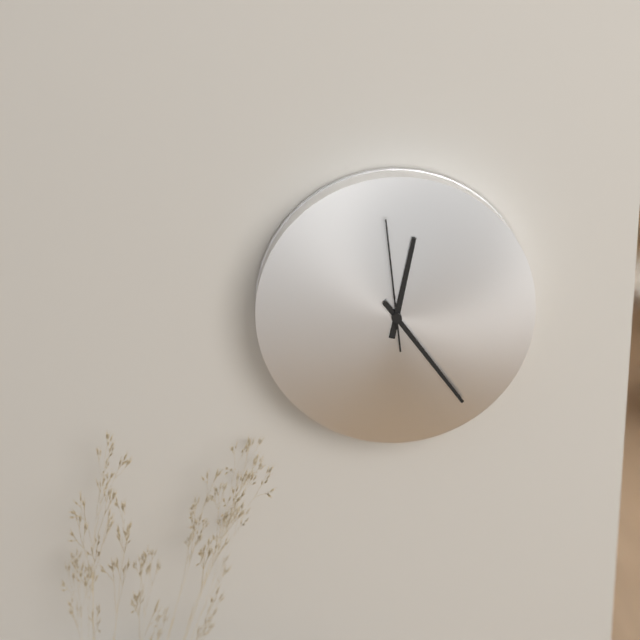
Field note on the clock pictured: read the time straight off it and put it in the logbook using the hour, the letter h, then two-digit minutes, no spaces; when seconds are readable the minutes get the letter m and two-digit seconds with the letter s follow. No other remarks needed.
12h24m59s
